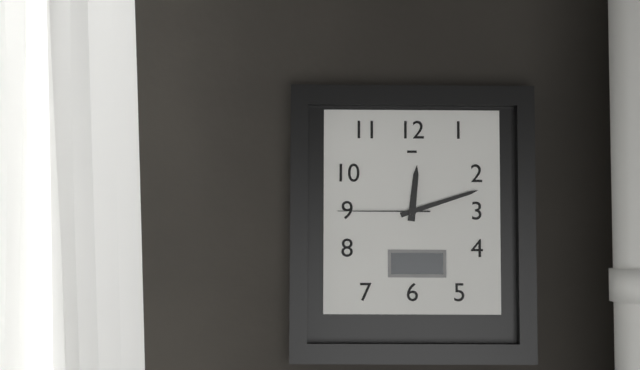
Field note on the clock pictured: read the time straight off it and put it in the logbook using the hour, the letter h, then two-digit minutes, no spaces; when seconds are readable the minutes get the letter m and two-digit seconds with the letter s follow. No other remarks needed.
12h12m45s
